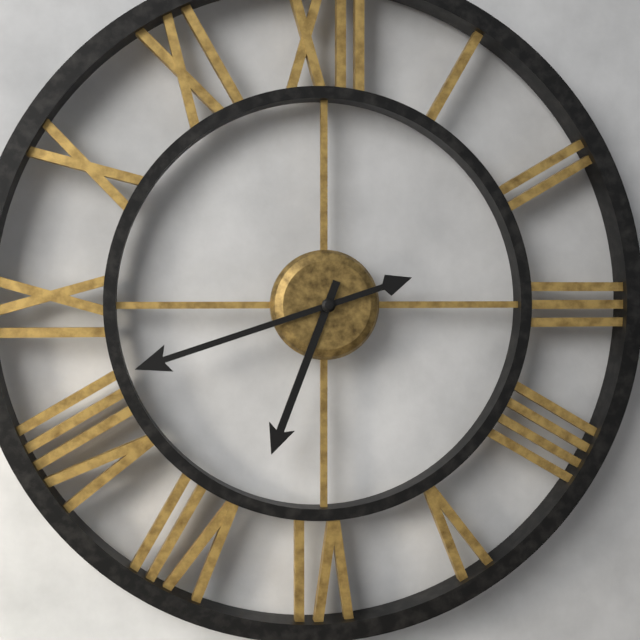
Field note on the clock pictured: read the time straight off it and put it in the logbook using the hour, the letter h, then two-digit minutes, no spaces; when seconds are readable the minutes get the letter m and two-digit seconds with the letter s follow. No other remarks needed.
6h42
